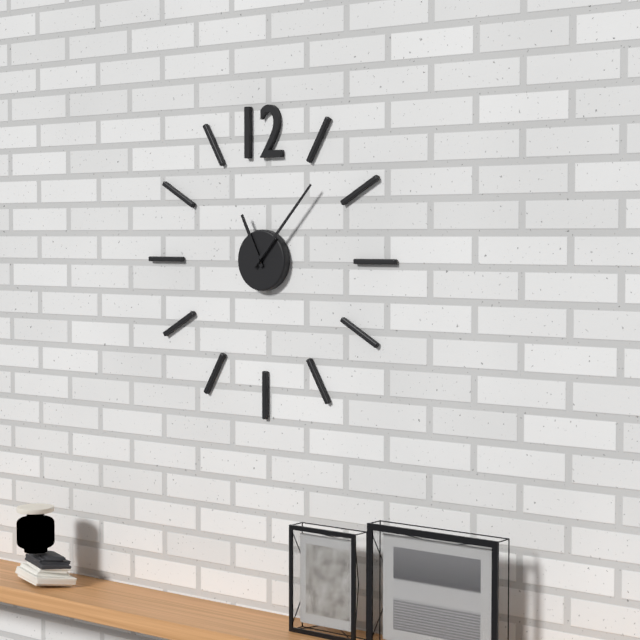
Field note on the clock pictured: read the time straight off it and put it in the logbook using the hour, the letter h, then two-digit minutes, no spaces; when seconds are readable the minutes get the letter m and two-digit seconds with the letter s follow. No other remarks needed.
11h07
